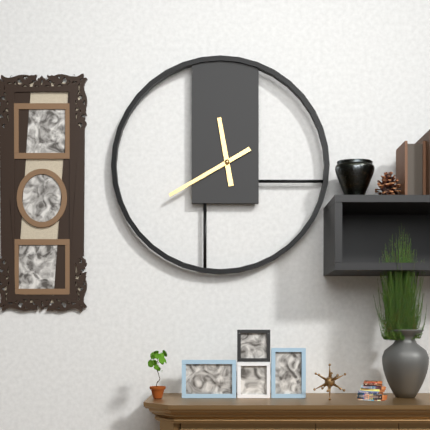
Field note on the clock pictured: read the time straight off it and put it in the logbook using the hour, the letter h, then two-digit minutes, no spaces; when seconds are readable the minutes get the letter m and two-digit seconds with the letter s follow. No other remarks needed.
11h40
